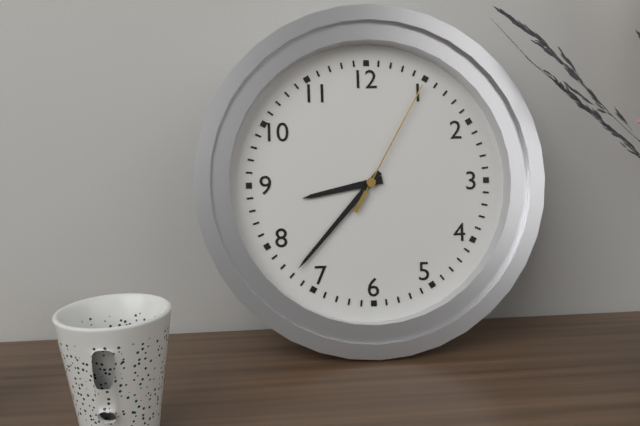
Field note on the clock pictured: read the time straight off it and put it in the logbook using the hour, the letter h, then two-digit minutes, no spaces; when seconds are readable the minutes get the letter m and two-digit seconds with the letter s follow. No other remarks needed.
8h37m05s
